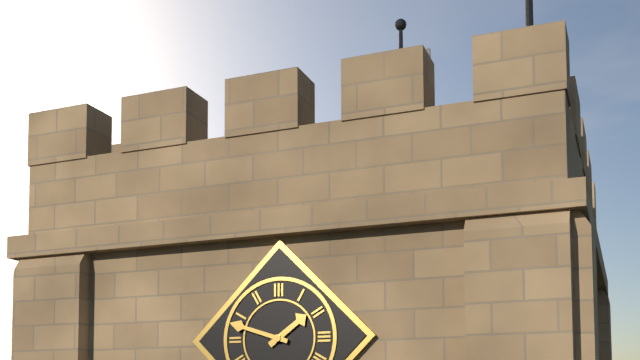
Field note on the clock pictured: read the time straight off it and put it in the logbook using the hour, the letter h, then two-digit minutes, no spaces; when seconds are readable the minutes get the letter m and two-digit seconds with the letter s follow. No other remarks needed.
1h48
